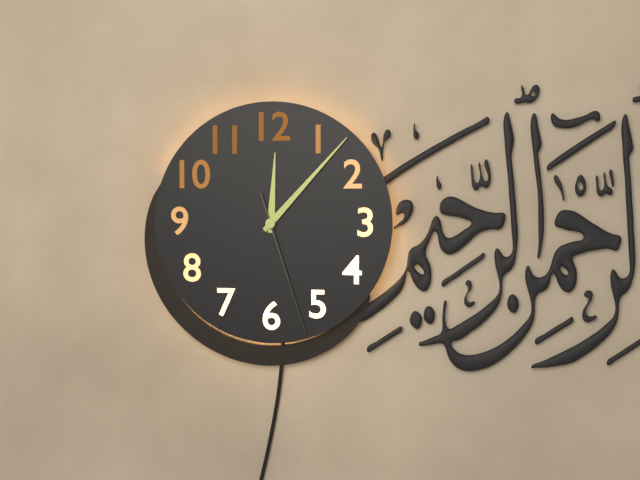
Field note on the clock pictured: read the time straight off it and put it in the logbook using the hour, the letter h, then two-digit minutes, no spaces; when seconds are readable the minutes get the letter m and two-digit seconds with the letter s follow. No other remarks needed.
12h07m27s
